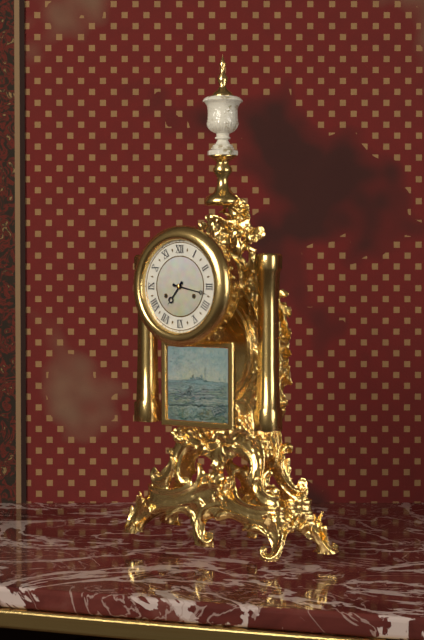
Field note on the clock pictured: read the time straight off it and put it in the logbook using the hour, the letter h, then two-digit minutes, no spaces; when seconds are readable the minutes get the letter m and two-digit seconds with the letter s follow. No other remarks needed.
7h17
